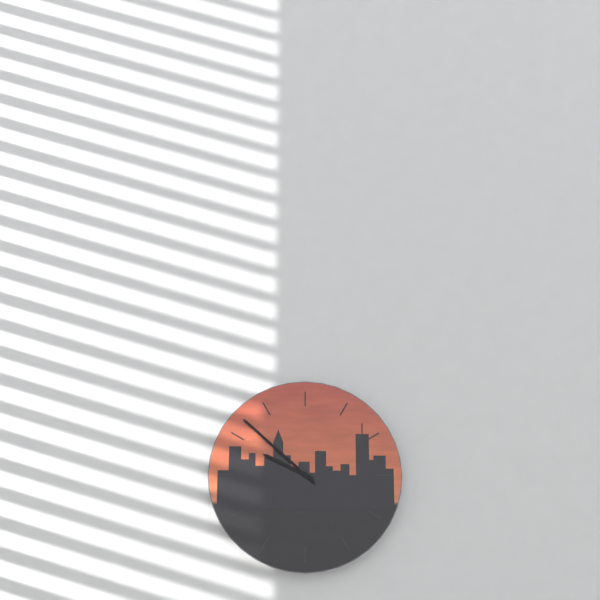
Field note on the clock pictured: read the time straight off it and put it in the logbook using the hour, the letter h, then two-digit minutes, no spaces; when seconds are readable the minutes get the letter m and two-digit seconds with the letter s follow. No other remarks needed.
9h52
